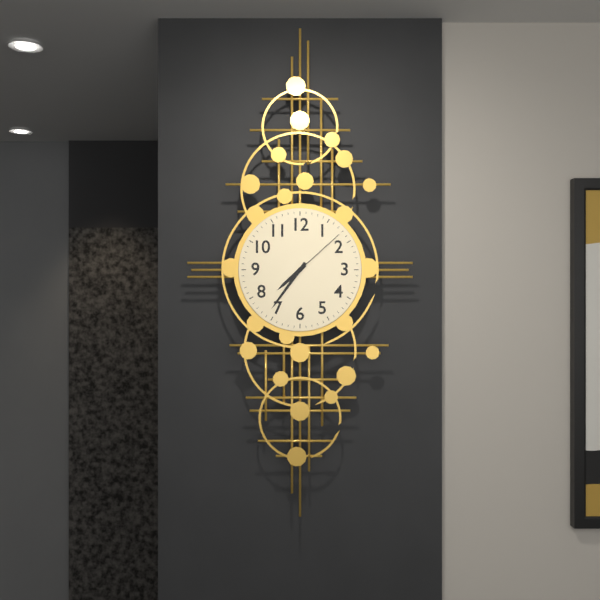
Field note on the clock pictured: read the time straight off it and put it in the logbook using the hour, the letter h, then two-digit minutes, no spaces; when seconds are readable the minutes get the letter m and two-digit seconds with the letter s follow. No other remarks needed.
7h36m08s
